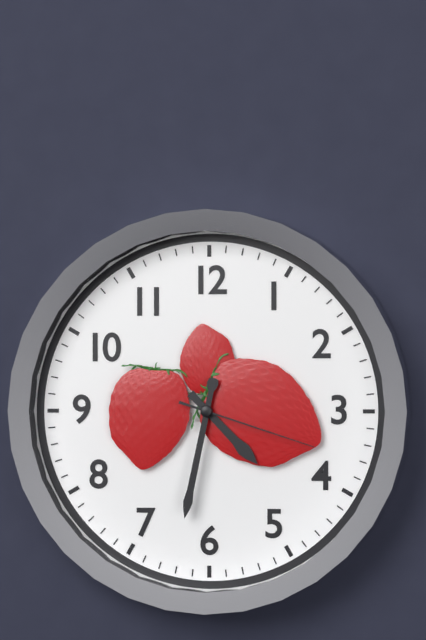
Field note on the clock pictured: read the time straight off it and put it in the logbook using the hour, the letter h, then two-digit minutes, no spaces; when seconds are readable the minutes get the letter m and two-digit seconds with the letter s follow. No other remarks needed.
4h32m18s
